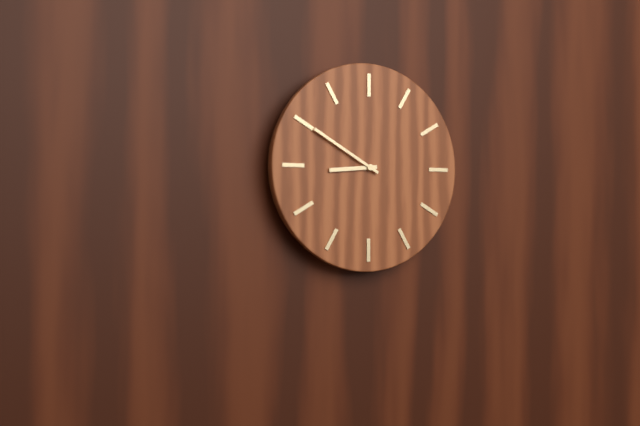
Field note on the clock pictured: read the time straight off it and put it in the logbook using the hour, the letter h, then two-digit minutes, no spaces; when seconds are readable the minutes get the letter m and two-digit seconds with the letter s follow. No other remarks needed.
8h50
